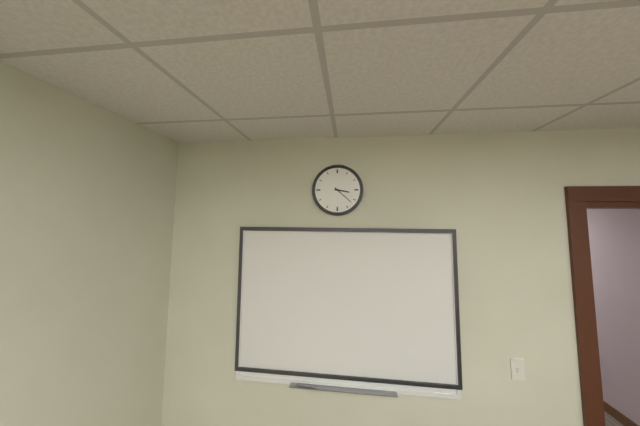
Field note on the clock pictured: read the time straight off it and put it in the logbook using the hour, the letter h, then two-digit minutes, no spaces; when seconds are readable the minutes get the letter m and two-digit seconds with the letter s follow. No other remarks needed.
3h22
